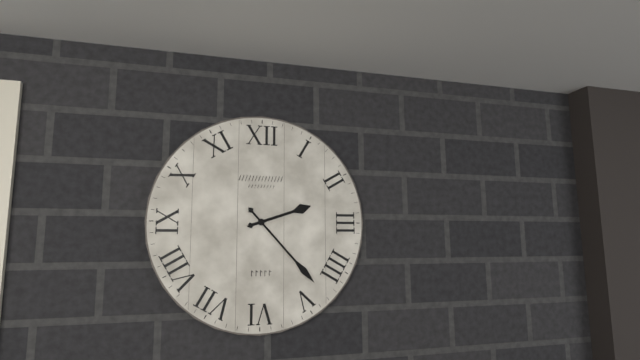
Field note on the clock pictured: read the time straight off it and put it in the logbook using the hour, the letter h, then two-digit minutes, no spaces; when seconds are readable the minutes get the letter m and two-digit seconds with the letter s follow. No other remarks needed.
2h23
